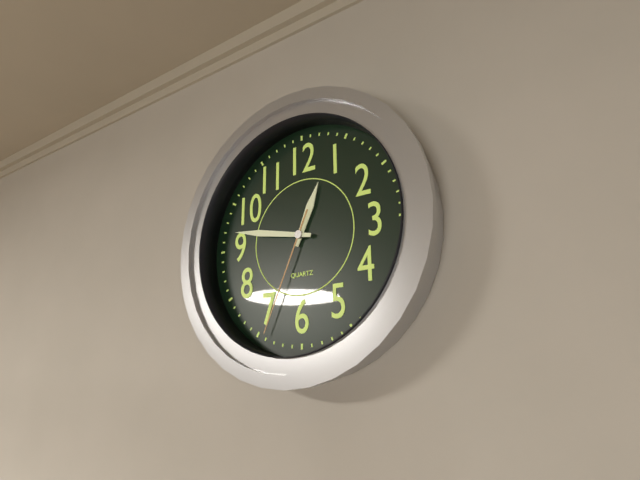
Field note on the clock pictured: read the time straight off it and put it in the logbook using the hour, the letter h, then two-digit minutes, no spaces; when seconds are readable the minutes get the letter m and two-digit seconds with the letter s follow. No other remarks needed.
12h47m34s
